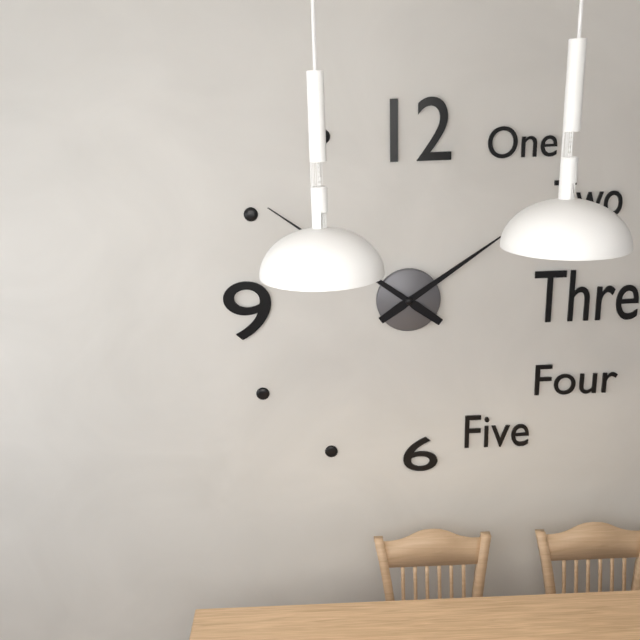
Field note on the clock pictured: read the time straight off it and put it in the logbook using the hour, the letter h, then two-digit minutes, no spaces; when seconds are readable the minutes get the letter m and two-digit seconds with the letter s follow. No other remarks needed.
1h51
